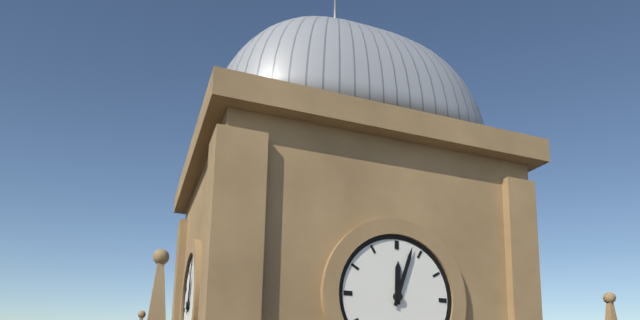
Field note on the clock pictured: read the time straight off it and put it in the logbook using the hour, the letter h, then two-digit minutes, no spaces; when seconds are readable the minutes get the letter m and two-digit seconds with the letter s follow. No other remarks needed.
12h03
